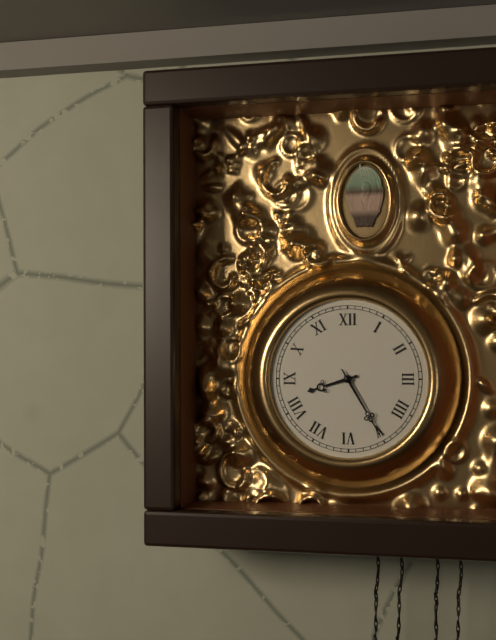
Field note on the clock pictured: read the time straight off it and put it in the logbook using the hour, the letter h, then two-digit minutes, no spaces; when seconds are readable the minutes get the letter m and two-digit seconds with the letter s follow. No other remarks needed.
8h25
